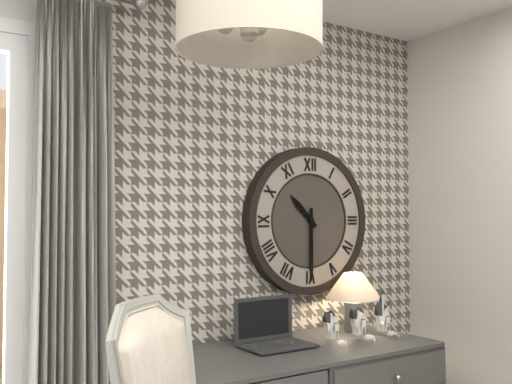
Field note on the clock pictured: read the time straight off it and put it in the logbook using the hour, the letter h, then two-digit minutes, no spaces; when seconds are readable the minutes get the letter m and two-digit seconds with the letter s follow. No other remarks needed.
10h30
